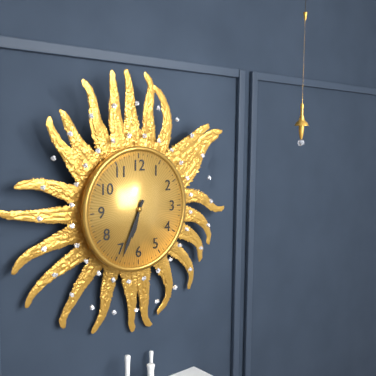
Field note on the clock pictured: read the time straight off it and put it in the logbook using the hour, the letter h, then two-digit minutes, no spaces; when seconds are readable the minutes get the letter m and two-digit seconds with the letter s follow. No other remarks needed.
6h34
